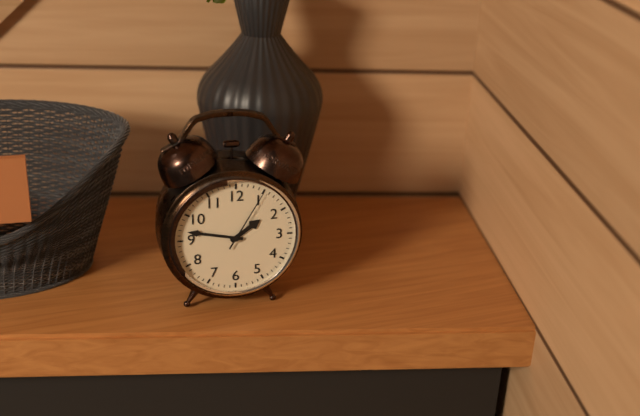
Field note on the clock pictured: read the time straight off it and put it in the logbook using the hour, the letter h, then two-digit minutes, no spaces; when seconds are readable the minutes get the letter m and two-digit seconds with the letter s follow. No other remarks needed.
1h47m05s
